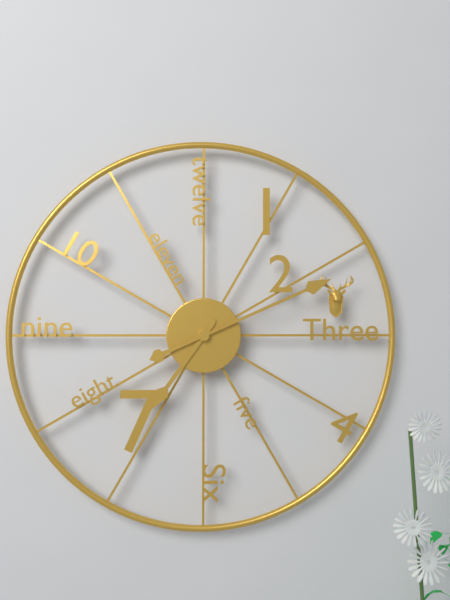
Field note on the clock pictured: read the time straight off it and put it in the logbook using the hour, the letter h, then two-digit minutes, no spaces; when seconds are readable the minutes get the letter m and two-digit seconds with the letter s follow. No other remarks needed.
7h11
